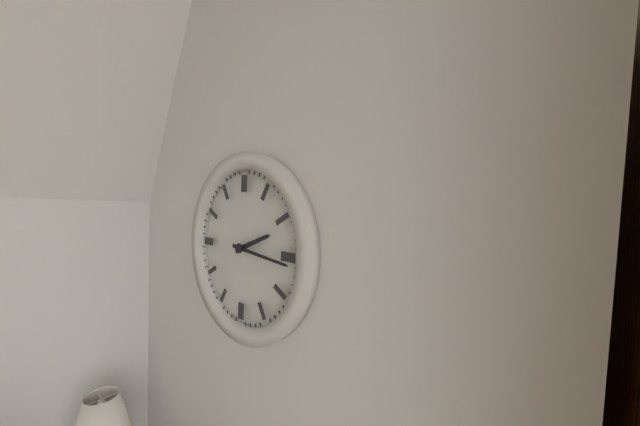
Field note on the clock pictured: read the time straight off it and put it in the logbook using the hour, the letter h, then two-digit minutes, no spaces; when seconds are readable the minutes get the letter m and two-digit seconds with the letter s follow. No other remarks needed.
2h16
